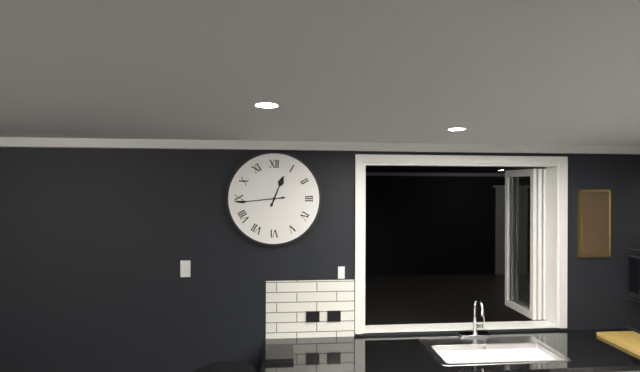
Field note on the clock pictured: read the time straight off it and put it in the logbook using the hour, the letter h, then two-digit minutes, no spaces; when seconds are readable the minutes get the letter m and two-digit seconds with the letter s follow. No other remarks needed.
12h44
